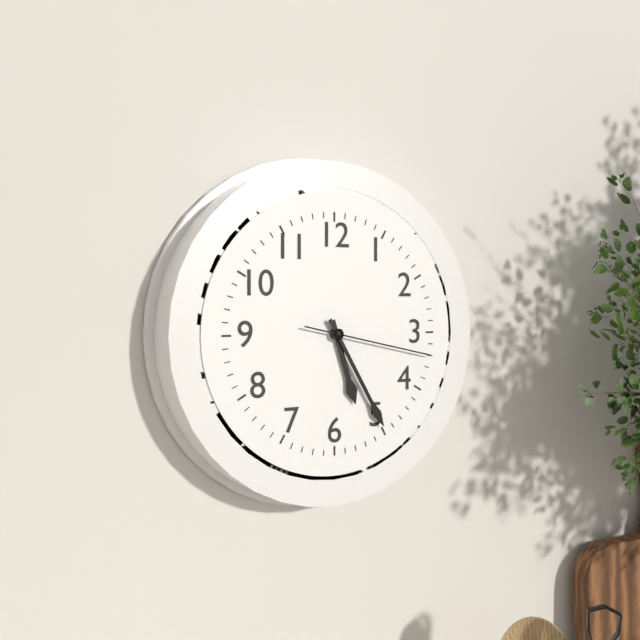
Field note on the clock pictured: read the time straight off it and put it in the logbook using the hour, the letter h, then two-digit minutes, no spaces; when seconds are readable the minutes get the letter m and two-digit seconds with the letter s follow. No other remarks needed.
5h25m17s
